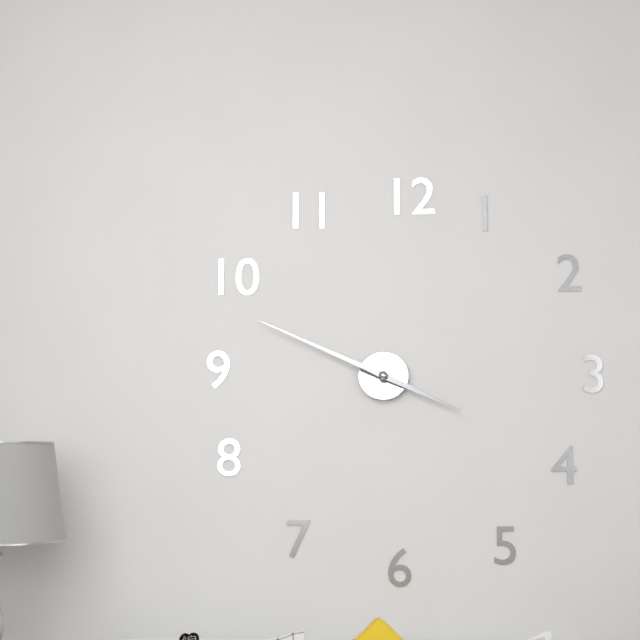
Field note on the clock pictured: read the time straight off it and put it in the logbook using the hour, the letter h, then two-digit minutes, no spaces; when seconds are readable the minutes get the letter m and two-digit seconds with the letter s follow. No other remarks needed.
3h49
